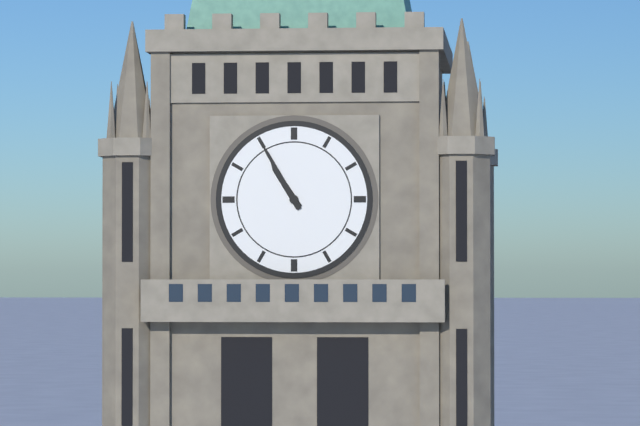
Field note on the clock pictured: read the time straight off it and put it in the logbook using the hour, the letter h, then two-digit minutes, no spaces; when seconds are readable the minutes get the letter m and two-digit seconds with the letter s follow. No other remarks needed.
10h55
